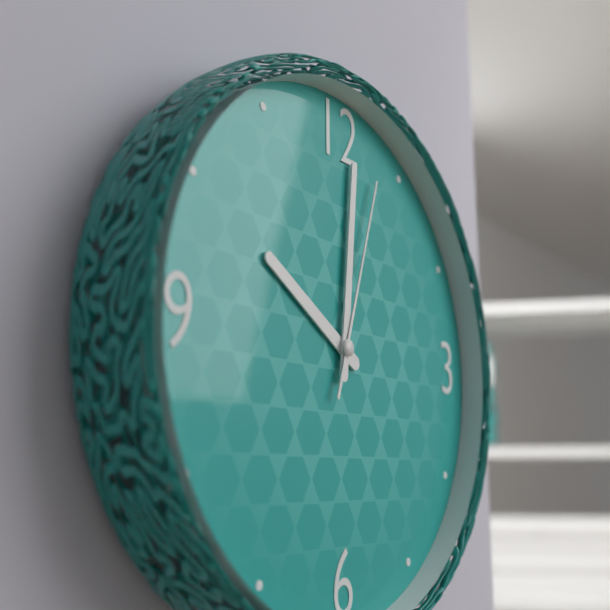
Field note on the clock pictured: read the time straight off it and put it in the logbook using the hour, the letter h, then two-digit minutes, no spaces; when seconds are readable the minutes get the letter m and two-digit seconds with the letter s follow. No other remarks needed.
10h01m03s
